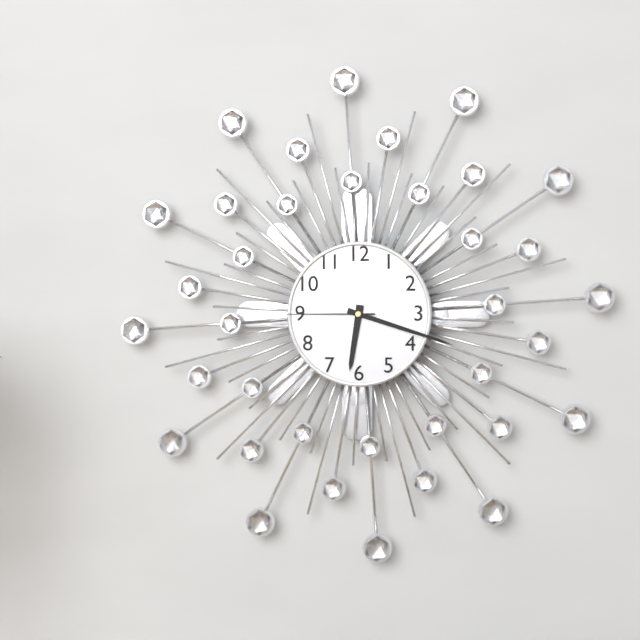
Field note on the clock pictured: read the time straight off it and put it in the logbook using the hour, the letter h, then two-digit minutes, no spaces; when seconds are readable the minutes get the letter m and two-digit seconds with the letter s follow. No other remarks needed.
6h18m45s
